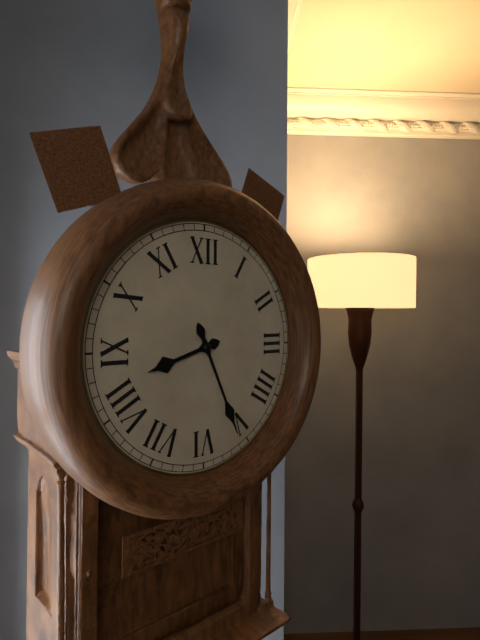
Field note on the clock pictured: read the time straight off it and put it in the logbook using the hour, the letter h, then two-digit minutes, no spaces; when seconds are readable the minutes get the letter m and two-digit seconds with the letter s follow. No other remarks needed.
8h26
